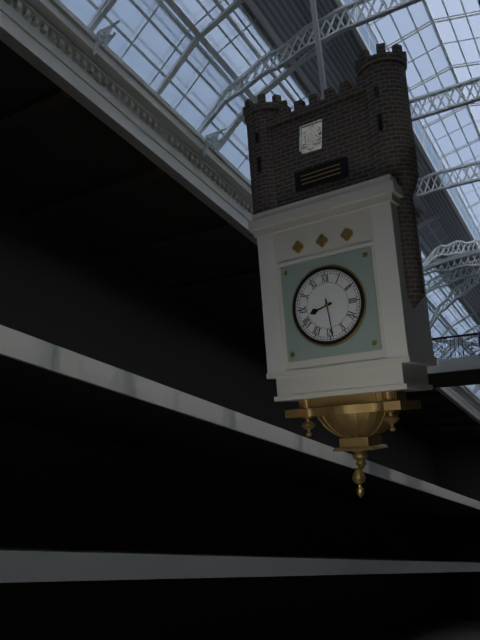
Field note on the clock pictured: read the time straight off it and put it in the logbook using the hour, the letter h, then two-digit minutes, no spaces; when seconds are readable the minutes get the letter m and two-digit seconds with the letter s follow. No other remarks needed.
8h29
